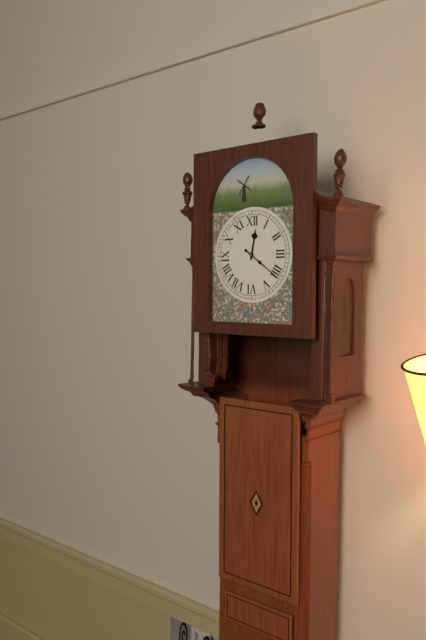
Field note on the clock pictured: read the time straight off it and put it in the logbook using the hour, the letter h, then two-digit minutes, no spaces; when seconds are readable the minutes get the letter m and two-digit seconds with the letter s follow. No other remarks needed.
12h21
